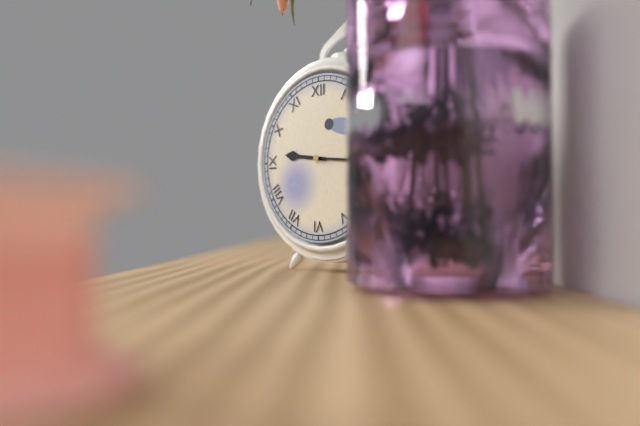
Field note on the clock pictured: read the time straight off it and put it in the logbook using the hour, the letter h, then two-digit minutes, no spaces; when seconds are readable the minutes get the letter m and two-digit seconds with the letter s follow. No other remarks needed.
9h16
